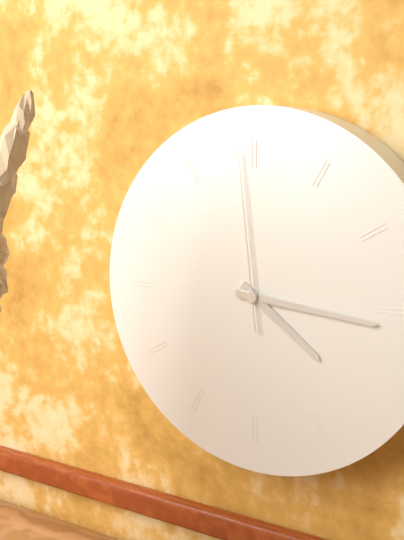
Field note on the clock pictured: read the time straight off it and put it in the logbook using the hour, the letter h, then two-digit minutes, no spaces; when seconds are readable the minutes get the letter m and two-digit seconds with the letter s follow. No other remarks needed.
4h16m59s
